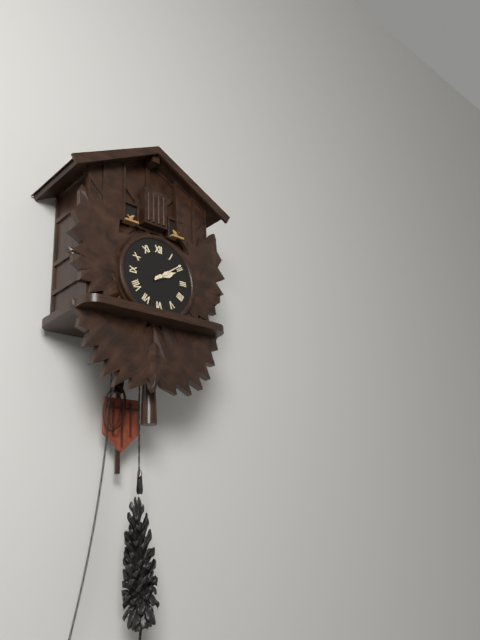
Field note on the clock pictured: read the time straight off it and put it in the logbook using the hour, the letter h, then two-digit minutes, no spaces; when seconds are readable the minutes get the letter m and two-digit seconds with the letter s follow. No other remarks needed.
2h09
